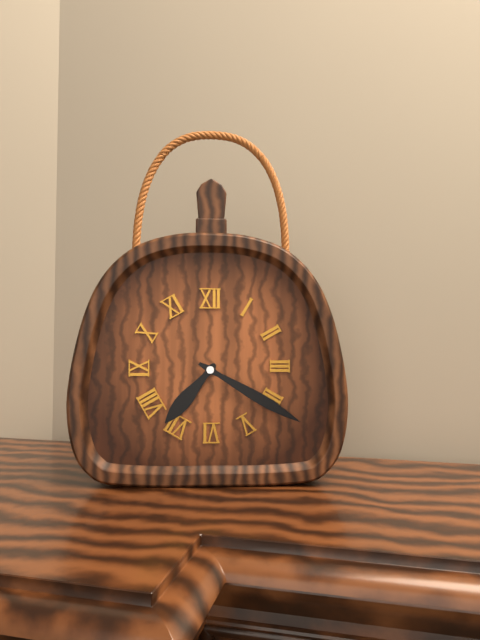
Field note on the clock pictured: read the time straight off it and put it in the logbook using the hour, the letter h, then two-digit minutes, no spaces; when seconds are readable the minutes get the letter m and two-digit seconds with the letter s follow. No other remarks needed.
7h20
